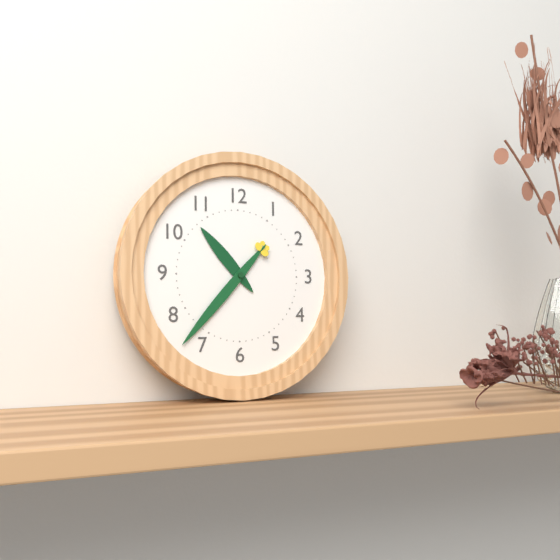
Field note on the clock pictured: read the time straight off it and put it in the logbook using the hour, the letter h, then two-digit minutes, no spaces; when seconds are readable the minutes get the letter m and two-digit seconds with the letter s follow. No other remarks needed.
10h37
